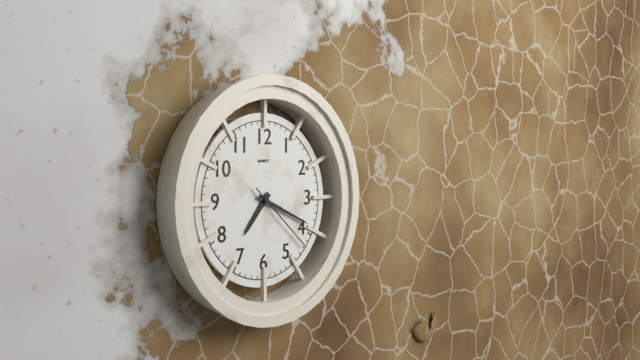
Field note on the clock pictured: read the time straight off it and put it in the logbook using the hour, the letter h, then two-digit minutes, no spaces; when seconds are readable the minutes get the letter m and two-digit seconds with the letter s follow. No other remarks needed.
7h19m22s
